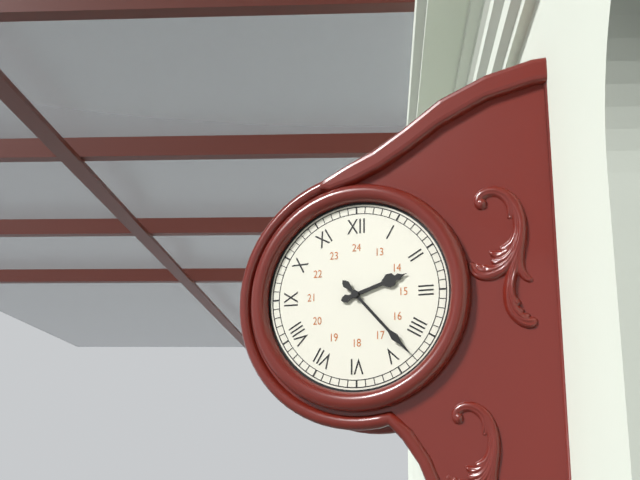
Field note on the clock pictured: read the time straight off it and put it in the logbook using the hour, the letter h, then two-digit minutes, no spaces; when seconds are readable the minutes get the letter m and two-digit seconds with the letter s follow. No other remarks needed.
2h23
